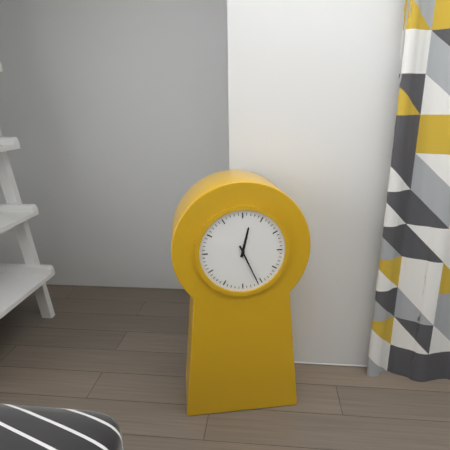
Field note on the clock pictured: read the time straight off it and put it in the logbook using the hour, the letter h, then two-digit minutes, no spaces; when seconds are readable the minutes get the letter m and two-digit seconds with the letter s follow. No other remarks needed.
12h26
